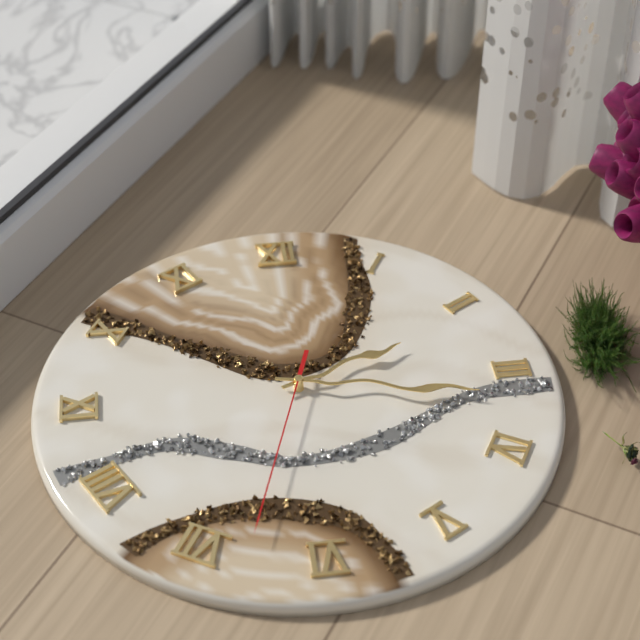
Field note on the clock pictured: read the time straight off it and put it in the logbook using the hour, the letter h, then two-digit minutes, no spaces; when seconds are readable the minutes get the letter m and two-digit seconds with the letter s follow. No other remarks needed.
2h17m33s
